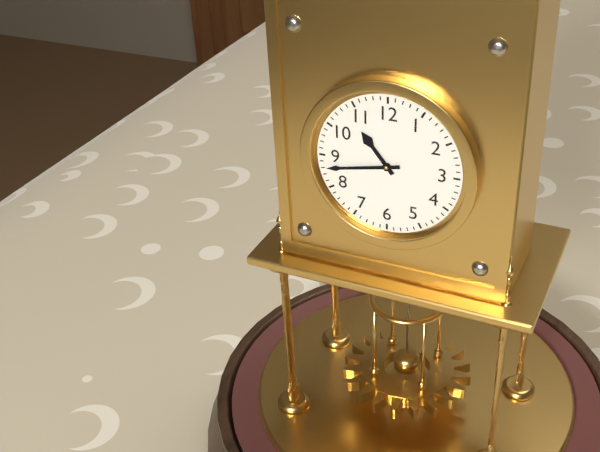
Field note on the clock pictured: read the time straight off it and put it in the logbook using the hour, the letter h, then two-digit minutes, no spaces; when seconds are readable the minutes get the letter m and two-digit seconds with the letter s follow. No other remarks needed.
10h43
